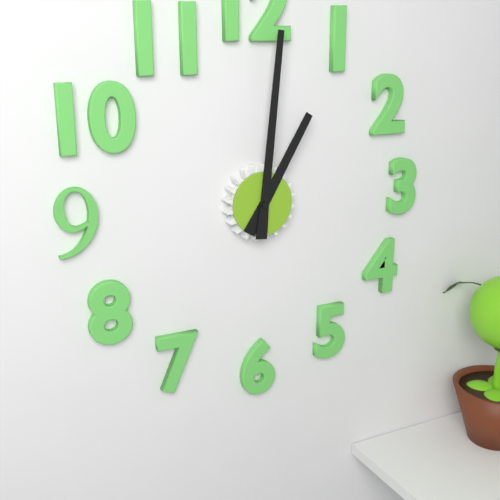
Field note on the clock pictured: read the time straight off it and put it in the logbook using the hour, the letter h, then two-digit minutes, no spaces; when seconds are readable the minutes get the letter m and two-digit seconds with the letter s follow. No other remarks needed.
1h01
